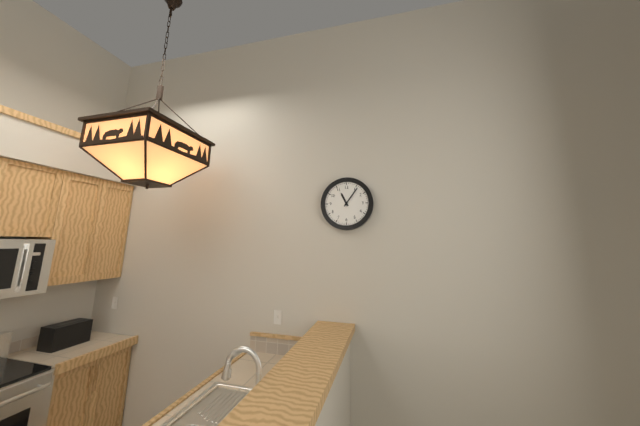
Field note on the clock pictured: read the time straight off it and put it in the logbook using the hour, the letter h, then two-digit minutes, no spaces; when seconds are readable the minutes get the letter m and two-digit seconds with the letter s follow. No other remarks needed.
11h06
